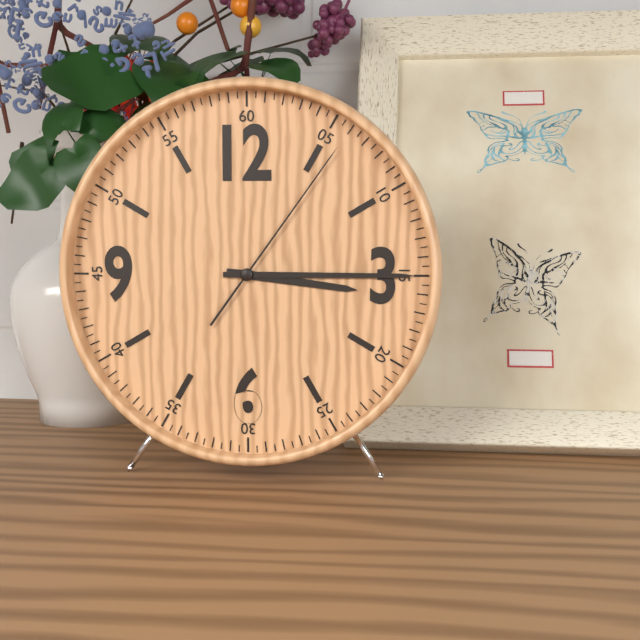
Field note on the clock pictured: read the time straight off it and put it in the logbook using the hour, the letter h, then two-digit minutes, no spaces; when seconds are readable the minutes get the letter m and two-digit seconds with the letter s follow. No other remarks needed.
3h15m06s
